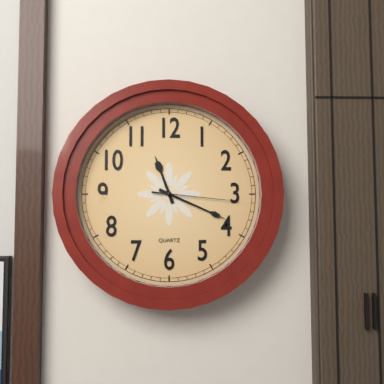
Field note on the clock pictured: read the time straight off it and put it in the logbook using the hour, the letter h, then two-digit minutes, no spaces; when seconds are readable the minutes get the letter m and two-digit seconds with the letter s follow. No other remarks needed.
11h19m16s
